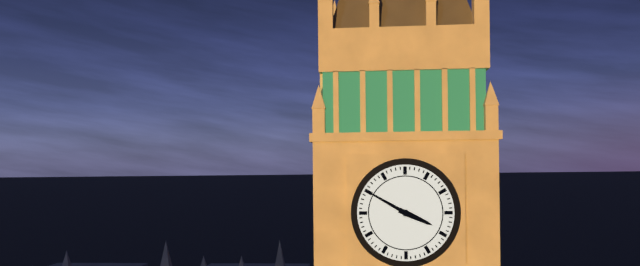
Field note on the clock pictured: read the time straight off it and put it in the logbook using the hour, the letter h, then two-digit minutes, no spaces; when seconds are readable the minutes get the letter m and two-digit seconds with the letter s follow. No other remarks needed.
3h50
